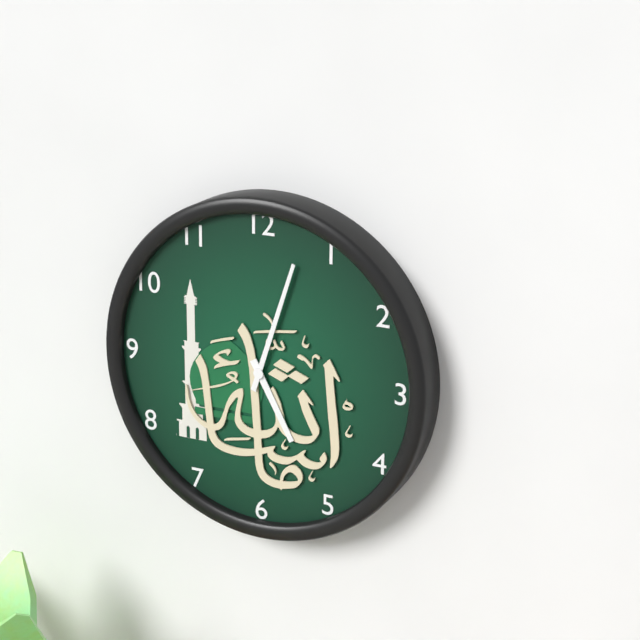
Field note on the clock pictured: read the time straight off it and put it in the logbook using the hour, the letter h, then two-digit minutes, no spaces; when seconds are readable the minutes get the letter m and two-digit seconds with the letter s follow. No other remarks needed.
5h03
